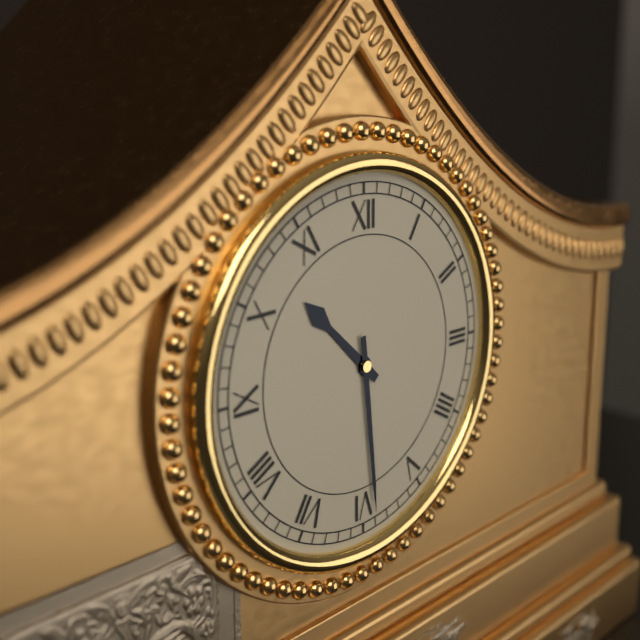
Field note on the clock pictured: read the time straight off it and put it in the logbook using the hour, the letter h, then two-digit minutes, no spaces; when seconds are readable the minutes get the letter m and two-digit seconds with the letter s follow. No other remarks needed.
10h29
